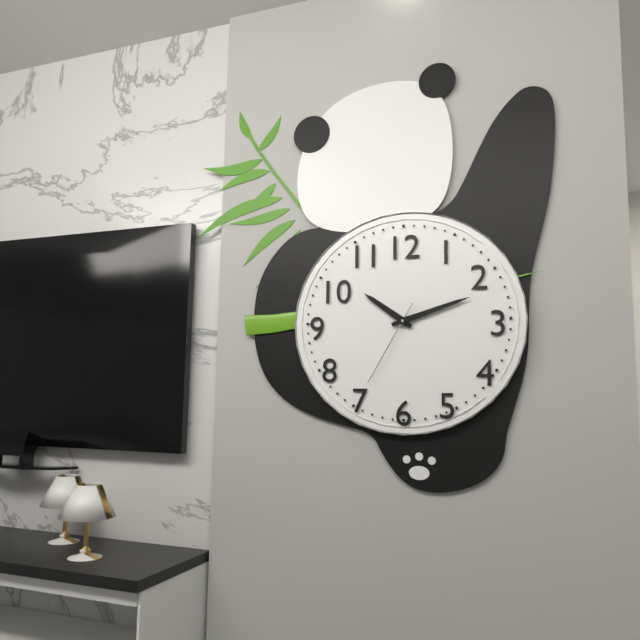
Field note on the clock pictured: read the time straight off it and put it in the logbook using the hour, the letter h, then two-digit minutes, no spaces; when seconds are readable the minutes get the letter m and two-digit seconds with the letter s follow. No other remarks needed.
10h12m35s
